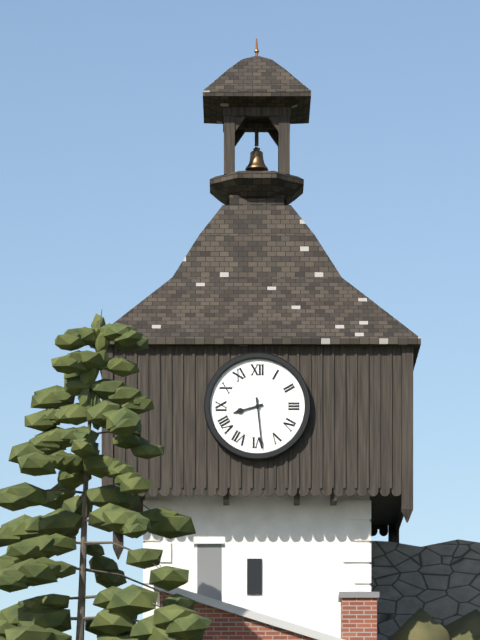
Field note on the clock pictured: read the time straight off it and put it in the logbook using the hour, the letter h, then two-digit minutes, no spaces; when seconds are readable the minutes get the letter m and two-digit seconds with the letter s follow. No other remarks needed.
8h29
